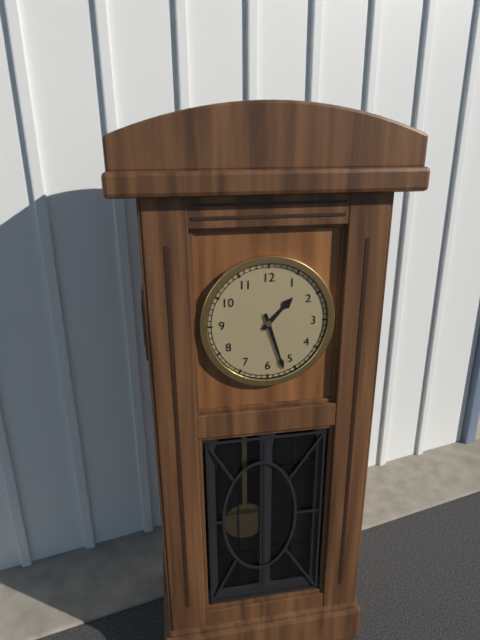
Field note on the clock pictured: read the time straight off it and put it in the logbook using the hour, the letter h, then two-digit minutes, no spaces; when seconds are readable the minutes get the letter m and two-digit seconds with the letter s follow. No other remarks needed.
1h27
